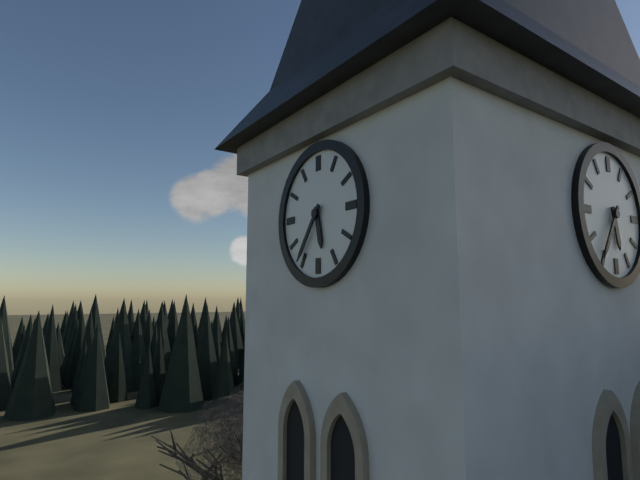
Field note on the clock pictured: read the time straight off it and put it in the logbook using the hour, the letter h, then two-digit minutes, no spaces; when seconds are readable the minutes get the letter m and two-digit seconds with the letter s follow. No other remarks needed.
5h36
